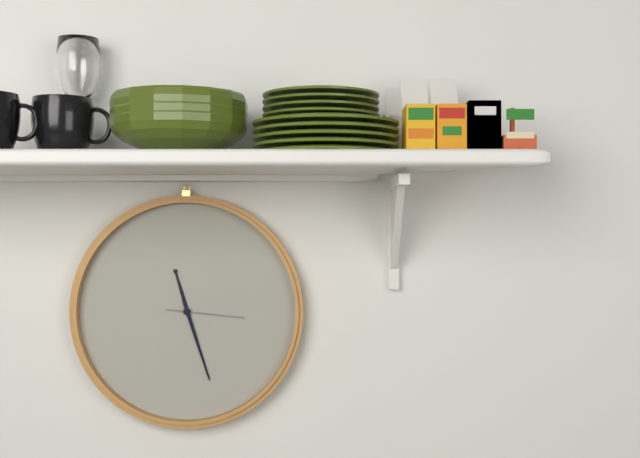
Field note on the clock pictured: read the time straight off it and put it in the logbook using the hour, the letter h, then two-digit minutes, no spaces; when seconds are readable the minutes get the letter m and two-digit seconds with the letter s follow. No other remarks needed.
11h27m16s
